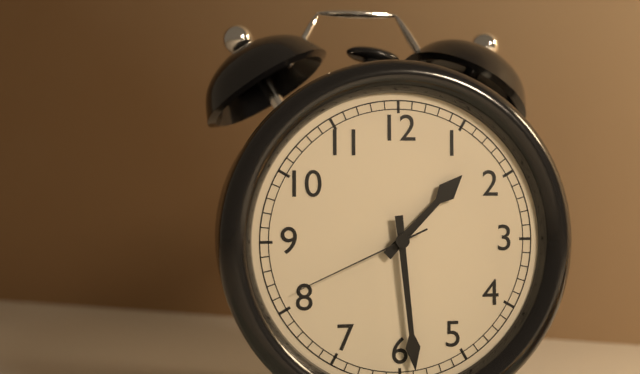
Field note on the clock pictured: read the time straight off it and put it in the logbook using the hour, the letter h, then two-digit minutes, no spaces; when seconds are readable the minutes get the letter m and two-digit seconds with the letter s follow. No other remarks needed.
1h29m41s
